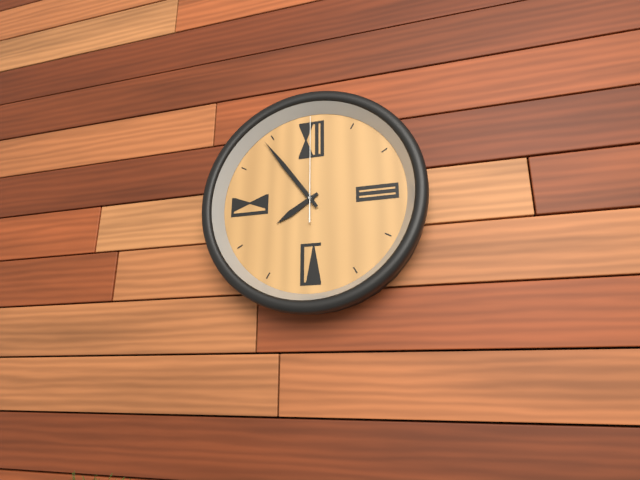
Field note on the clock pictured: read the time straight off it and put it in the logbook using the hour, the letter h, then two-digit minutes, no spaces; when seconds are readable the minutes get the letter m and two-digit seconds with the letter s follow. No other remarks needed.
7h54m00s
